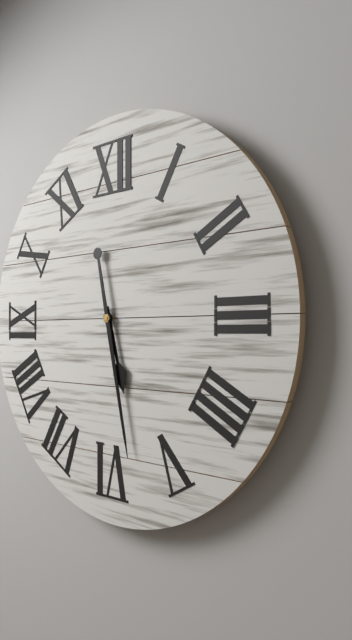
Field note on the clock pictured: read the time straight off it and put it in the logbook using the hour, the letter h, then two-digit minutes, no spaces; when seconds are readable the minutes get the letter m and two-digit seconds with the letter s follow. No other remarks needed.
5h28
